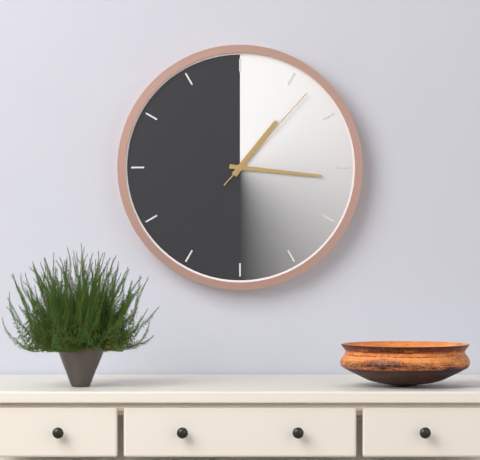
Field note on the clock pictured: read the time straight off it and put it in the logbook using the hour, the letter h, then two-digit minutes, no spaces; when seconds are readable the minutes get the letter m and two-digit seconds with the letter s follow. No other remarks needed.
1h16m07s
